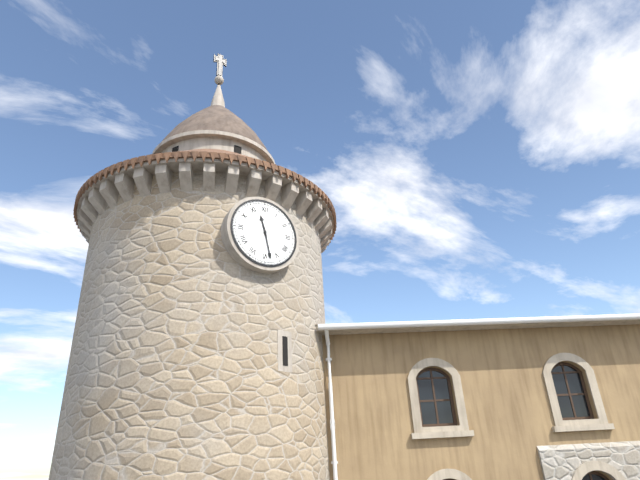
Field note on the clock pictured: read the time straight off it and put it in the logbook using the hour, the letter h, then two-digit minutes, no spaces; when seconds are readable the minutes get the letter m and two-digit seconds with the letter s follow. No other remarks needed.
11h28
